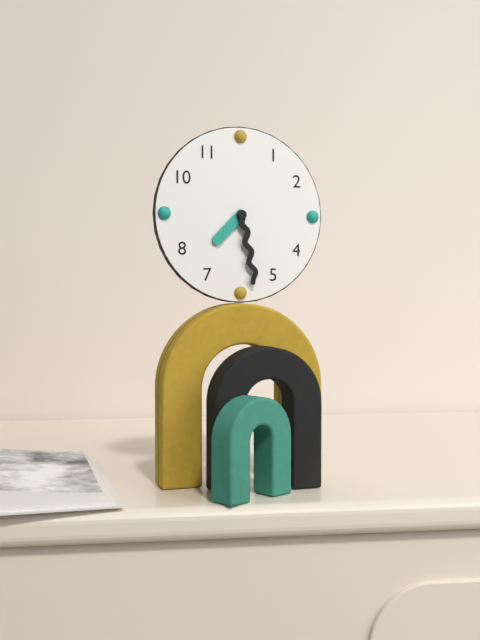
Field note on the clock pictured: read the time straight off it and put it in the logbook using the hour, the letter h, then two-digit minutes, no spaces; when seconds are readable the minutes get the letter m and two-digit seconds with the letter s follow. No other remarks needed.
7h28
